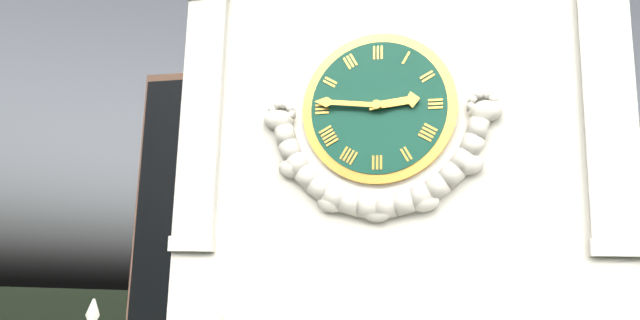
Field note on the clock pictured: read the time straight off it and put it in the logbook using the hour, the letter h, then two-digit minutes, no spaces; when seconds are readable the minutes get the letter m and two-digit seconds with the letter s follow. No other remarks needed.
2h46
